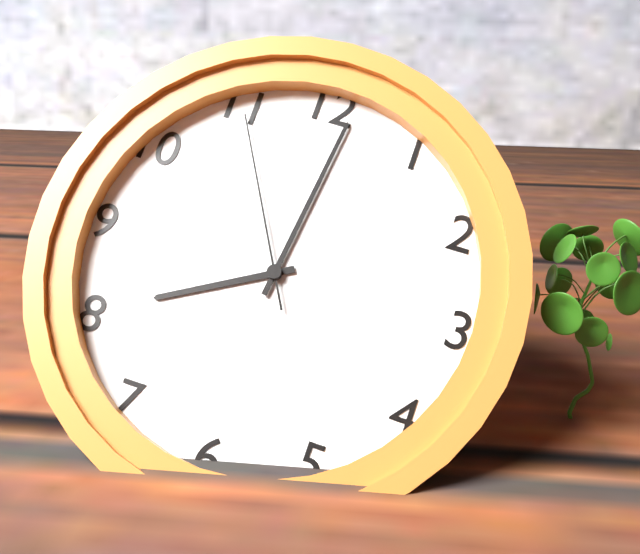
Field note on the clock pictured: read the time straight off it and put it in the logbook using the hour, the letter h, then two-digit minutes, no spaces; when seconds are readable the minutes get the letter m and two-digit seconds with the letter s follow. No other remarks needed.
8h01m55s
